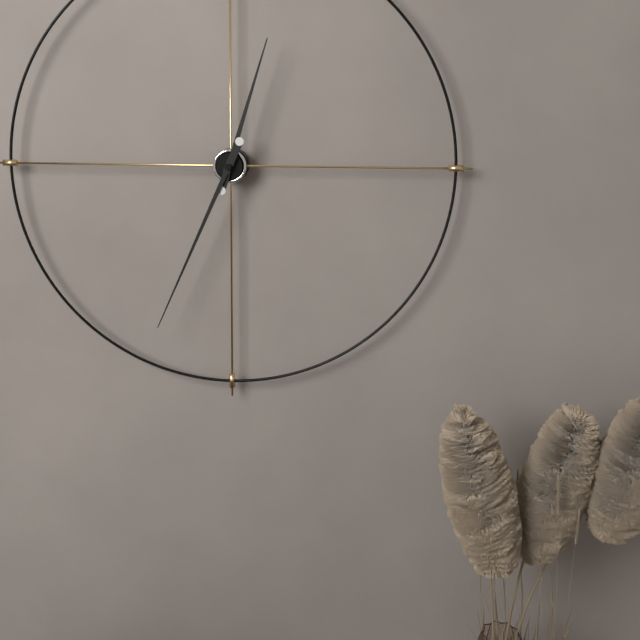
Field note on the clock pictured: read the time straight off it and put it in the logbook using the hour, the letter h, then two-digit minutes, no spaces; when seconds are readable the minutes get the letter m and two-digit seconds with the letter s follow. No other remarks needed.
12h34
